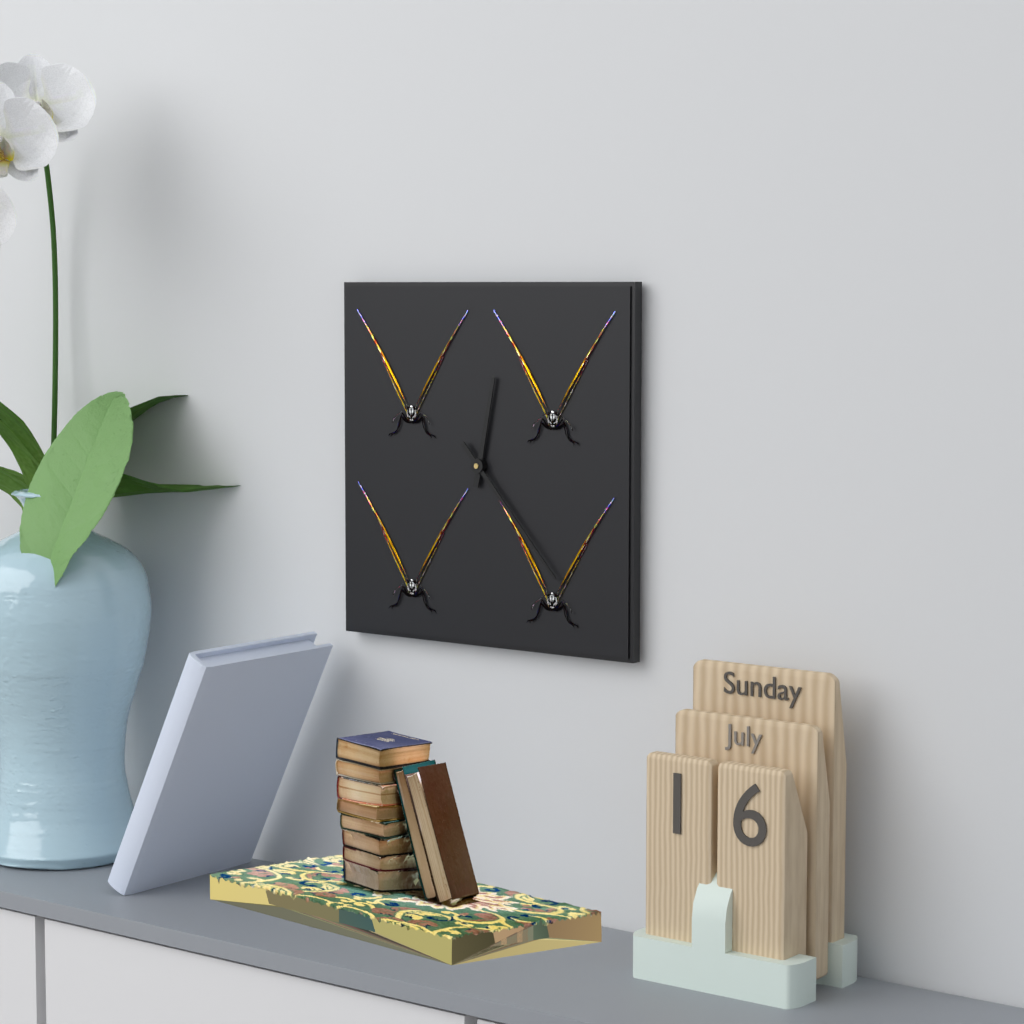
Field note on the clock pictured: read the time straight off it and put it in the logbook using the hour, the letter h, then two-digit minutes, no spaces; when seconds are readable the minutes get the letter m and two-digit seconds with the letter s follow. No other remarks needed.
12h23
